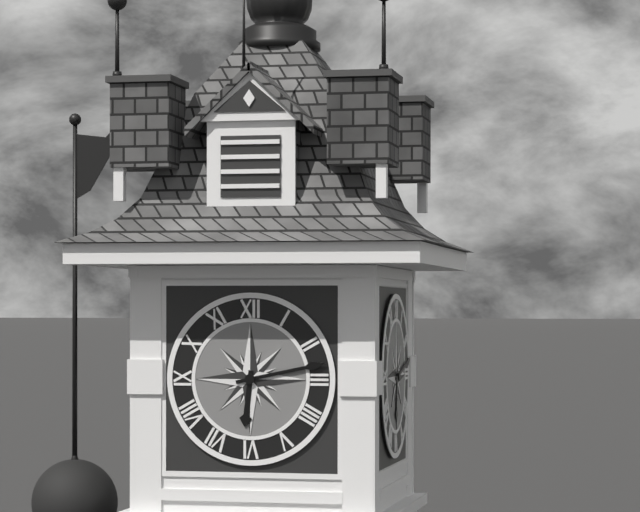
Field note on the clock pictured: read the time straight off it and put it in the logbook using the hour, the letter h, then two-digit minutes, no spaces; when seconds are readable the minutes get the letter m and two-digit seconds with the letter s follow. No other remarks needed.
6h13
